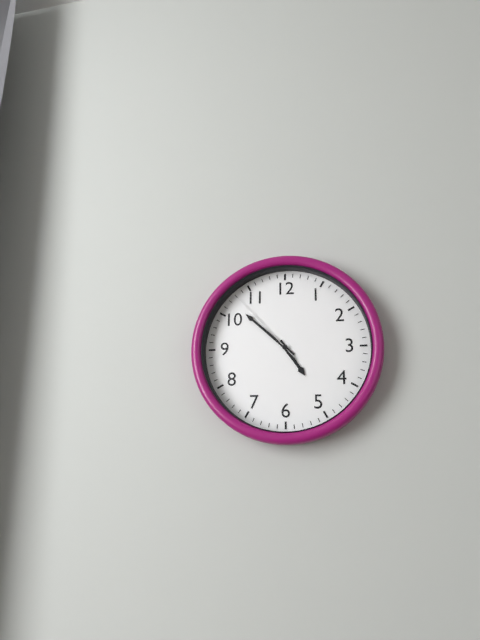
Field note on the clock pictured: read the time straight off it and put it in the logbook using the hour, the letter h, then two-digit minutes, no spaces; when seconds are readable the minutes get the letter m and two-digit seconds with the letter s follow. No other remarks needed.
4h52m53s
